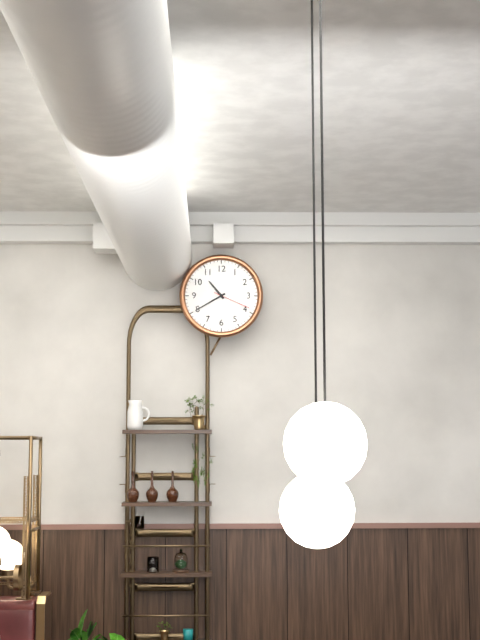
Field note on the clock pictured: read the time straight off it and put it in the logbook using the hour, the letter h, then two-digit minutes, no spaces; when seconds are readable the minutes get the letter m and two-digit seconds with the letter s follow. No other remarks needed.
10h40
